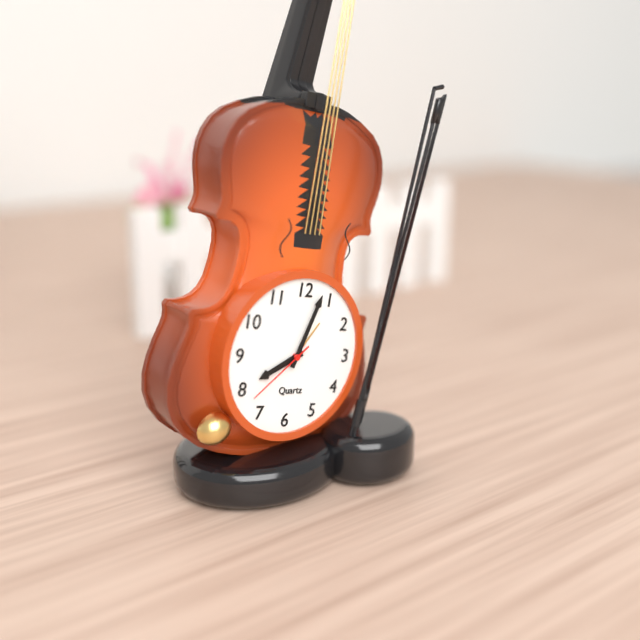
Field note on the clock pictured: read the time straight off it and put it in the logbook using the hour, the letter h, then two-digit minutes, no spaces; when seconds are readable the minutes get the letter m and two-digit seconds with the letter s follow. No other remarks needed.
8h03m38s
